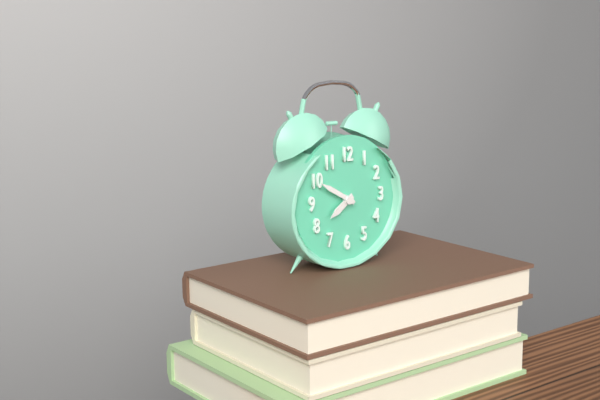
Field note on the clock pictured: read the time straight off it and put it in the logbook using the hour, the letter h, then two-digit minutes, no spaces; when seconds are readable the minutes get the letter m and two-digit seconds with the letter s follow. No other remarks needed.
7h50
